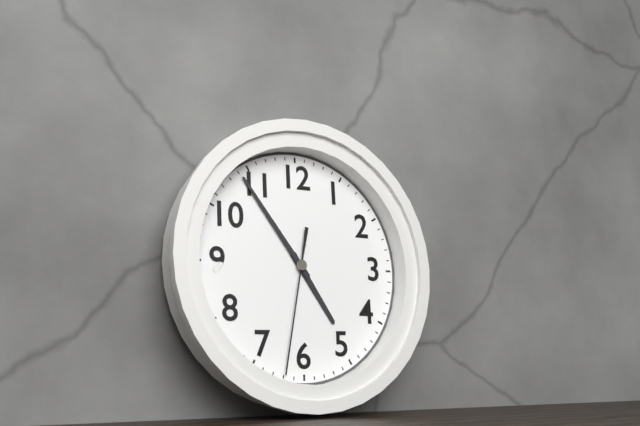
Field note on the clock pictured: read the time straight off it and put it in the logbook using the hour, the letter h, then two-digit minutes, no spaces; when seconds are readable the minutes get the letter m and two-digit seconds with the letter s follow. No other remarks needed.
4h54m32s
